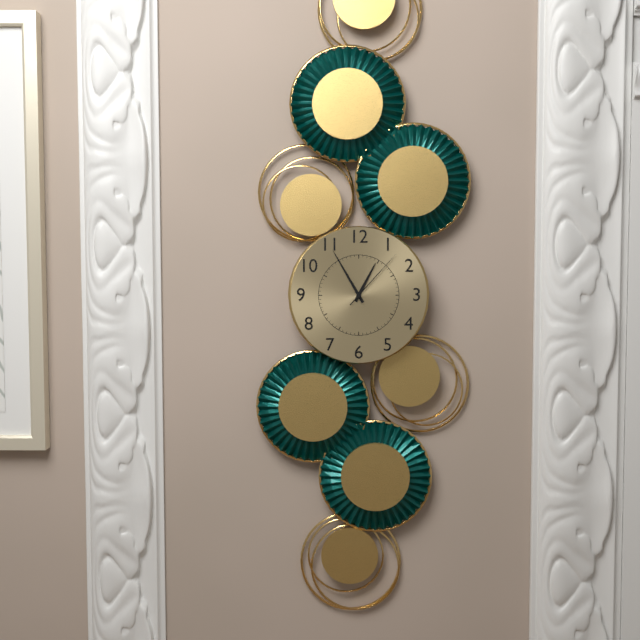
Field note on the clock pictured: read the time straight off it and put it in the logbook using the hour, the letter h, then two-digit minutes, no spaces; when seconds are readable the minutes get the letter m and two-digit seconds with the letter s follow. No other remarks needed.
12h55m07s
